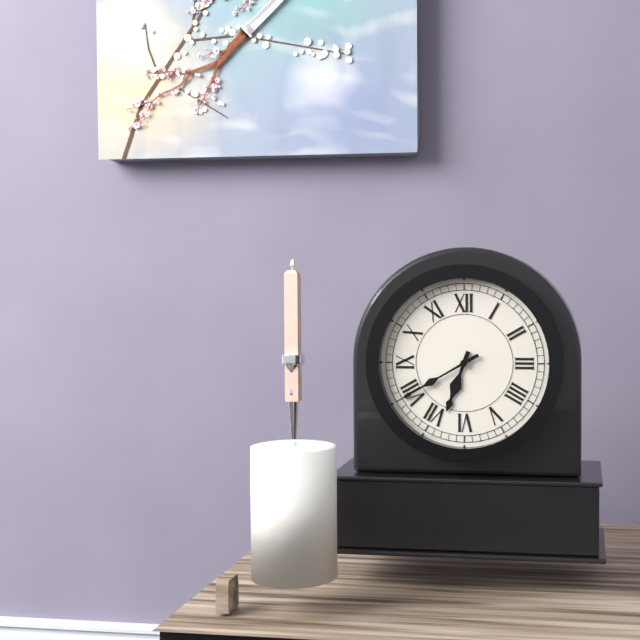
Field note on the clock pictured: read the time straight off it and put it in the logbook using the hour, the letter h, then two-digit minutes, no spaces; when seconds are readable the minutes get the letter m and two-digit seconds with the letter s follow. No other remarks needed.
6h40
